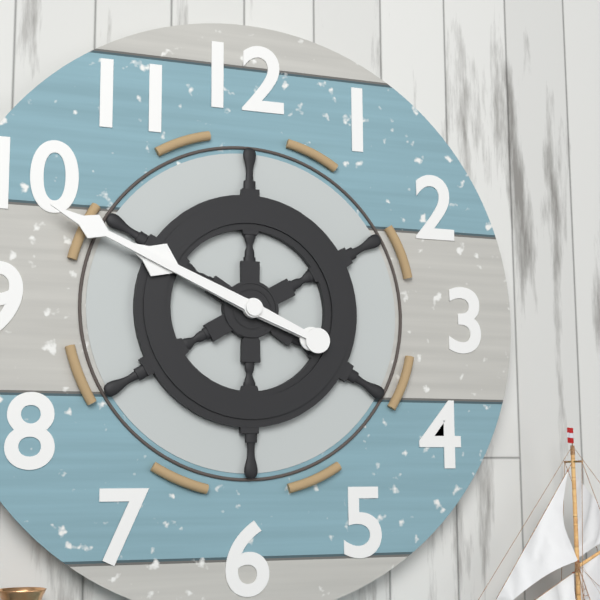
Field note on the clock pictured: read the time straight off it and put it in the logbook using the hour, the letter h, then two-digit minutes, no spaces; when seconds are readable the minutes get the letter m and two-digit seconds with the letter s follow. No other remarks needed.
9h49
